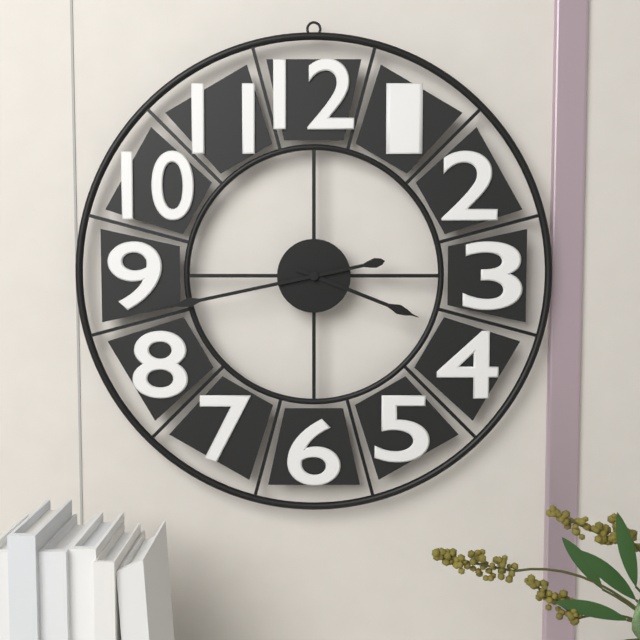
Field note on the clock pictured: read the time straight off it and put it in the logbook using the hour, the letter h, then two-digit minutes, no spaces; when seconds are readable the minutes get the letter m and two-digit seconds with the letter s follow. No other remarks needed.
3h43
